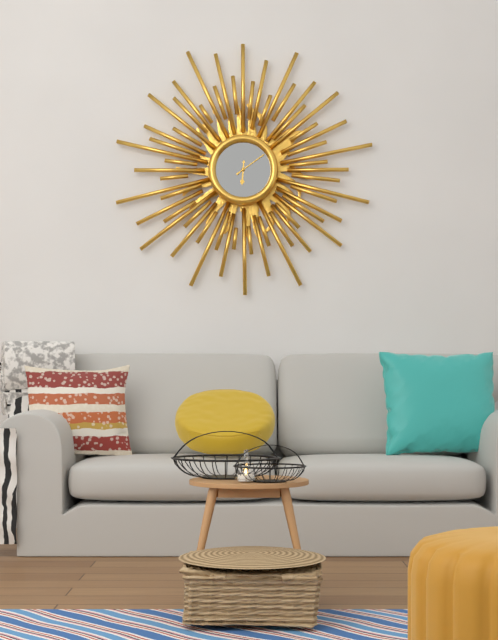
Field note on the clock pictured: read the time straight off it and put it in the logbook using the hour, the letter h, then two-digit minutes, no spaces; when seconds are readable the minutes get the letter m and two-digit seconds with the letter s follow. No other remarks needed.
6h09
